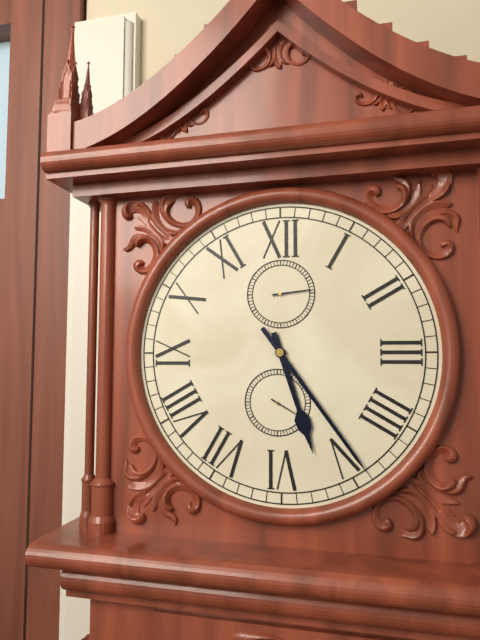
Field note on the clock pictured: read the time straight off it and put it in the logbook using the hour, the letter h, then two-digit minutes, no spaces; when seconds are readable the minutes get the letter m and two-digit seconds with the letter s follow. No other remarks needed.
5h24
